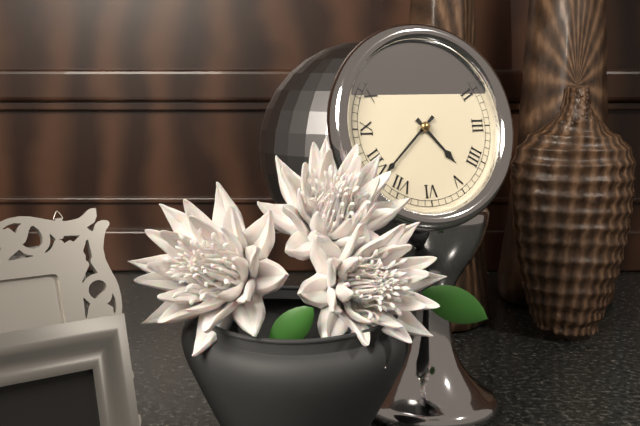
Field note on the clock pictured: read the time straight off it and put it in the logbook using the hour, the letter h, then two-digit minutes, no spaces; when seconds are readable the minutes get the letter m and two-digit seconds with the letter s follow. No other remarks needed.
4h38
